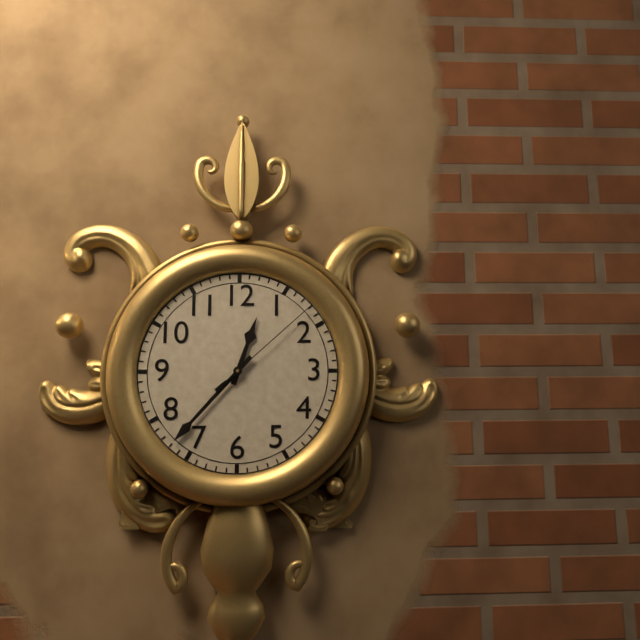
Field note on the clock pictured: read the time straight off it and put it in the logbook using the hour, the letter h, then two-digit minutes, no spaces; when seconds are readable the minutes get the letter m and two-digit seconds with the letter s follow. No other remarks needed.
12h37m08s
